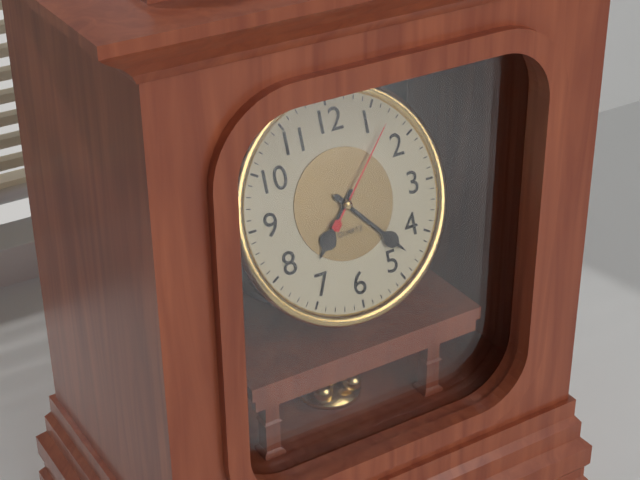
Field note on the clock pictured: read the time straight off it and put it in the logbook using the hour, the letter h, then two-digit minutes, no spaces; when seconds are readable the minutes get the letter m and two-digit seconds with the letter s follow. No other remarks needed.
7h23m07s
